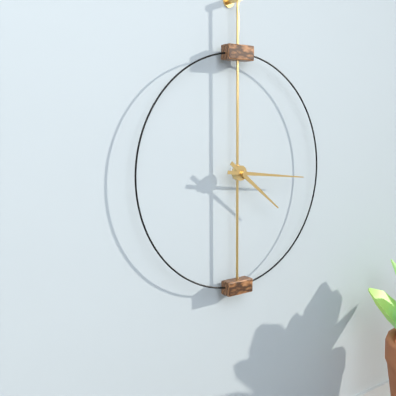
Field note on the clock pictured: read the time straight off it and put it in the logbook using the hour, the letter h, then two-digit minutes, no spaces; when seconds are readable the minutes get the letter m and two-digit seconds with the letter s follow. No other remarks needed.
4h16
